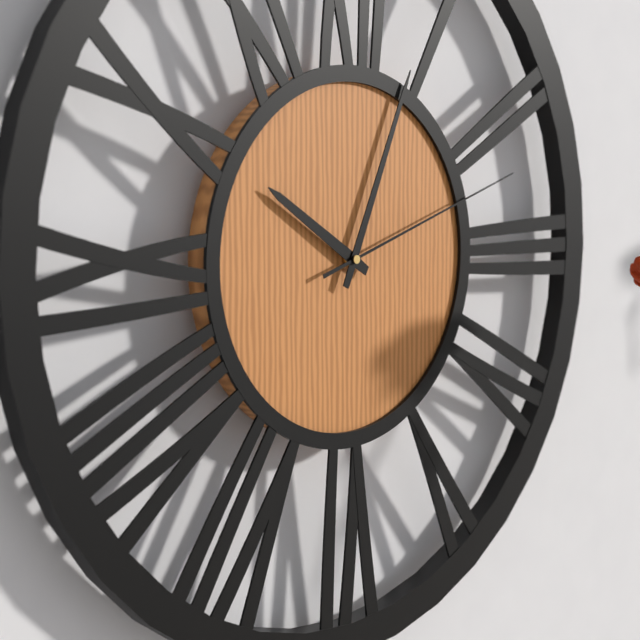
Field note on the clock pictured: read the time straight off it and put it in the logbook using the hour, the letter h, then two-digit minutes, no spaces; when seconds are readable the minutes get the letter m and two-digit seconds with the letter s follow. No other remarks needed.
10h04m12s
